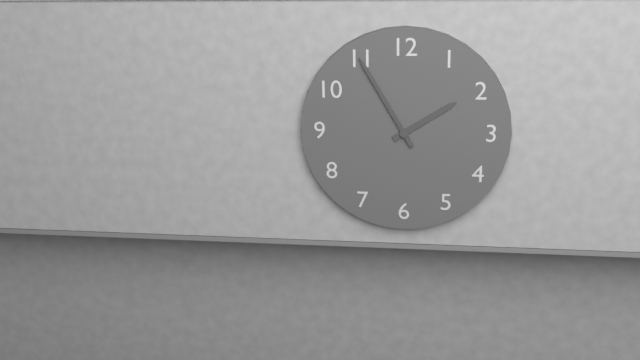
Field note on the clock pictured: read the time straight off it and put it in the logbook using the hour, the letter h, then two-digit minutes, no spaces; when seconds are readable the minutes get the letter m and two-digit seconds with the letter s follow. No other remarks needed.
1h55
